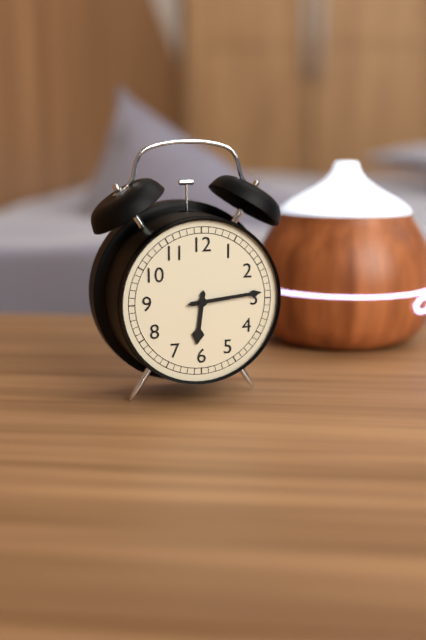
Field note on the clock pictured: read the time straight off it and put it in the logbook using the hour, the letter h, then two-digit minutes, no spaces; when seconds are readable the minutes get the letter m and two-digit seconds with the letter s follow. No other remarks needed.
6h14
